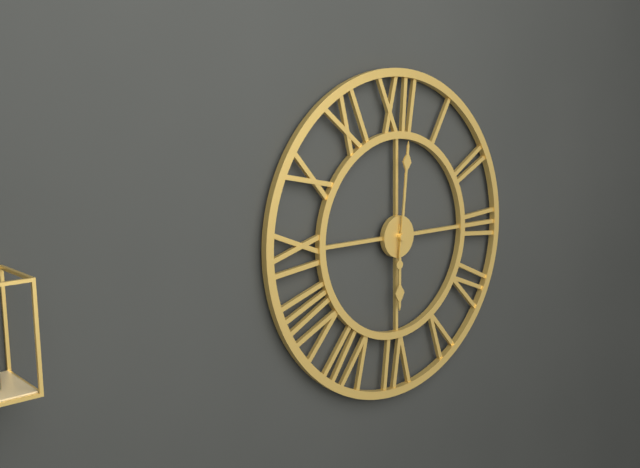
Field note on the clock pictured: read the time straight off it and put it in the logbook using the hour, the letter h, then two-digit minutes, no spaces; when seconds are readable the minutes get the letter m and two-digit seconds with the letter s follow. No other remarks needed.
6h01
